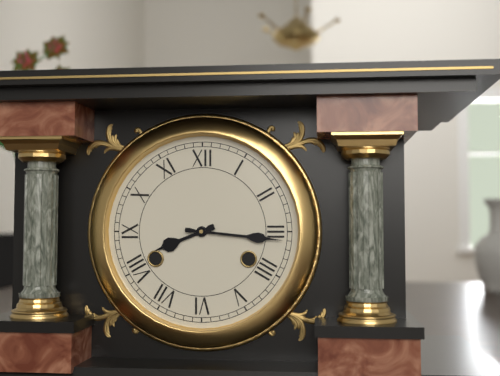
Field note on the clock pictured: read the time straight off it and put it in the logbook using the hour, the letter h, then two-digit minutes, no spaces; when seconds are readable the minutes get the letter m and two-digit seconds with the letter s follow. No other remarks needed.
8h16
